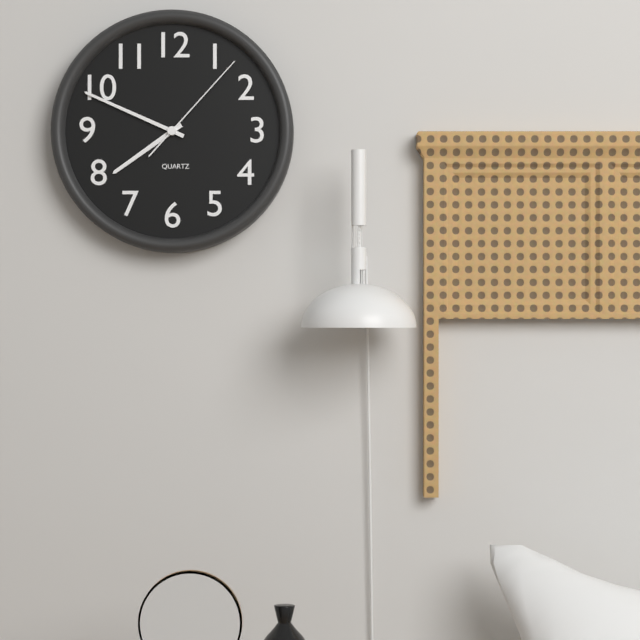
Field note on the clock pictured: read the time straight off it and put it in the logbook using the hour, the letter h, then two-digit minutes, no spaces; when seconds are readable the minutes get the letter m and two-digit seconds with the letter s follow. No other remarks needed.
7h49m07s
